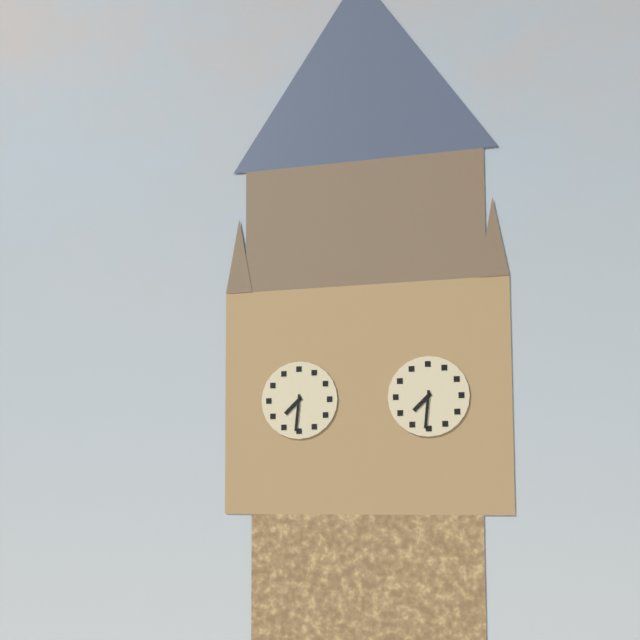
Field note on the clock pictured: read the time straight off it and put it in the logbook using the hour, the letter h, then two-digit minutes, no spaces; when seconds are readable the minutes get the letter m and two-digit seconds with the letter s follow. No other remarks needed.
7h31
